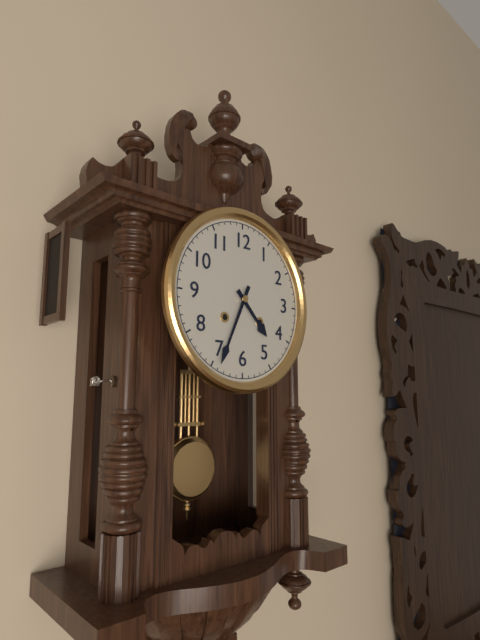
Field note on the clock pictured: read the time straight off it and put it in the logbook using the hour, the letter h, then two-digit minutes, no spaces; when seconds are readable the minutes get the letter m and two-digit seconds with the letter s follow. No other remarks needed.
4h34
